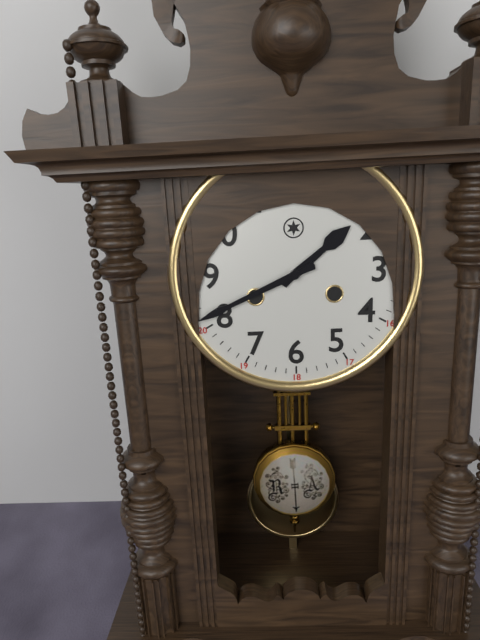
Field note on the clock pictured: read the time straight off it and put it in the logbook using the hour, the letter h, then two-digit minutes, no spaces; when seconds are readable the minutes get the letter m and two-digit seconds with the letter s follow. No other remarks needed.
1h41
